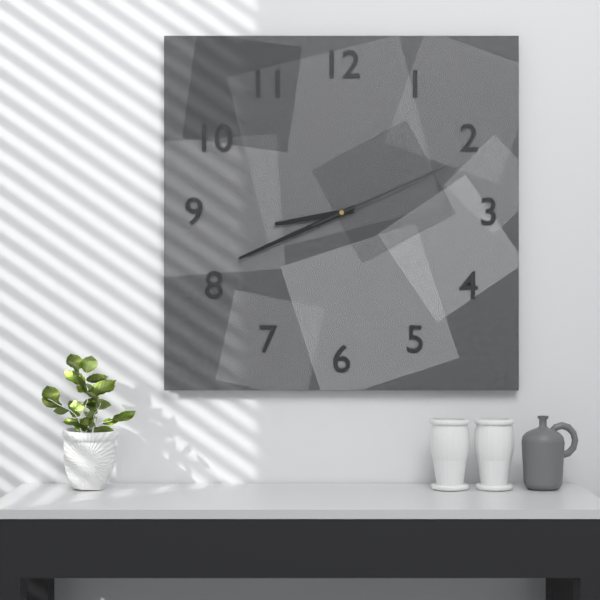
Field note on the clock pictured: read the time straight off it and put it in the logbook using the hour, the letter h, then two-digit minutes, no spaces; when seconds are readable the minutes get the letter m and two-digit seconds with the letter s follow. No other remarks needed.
8h41m11s
